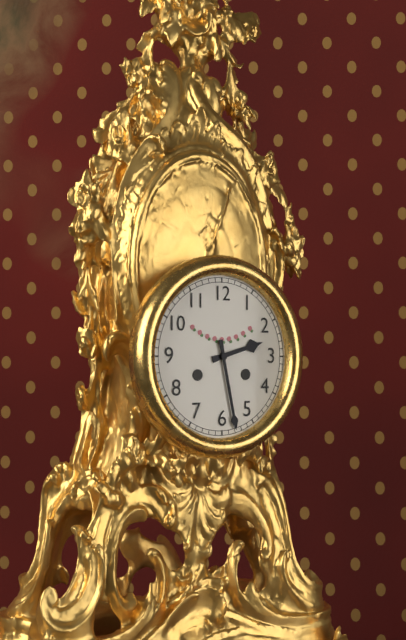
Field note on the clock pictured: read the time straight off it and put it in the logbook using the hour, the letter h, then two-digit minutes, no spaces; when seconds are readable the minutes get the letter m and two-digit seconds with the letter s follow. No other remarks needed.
2h28
